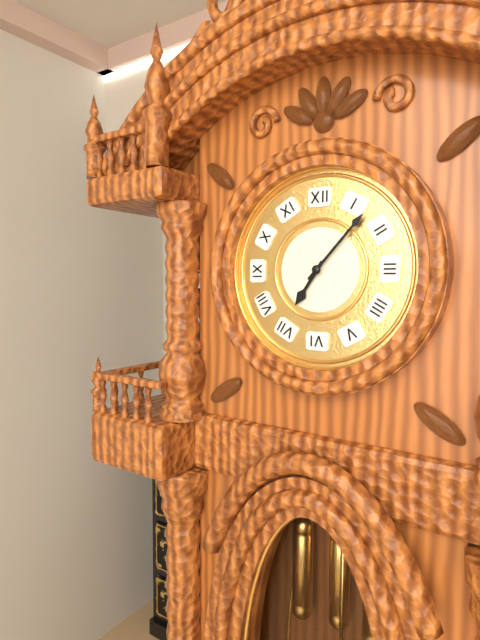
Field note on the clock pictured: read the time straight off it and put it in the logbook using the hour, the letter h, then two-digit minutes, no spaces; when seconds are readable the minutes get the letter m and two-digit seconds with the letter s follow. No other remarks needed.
7h07
